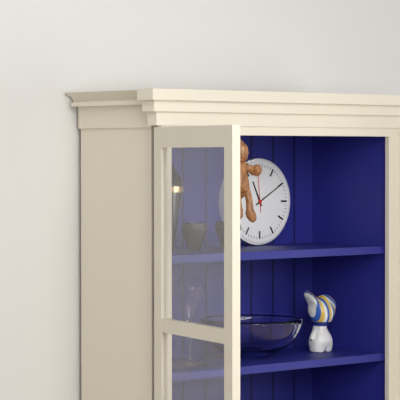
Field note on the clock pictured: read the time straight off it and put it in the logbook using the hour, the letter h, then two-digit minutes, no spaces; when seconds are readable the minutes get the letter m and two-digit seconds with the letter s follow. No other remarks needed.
11h10
